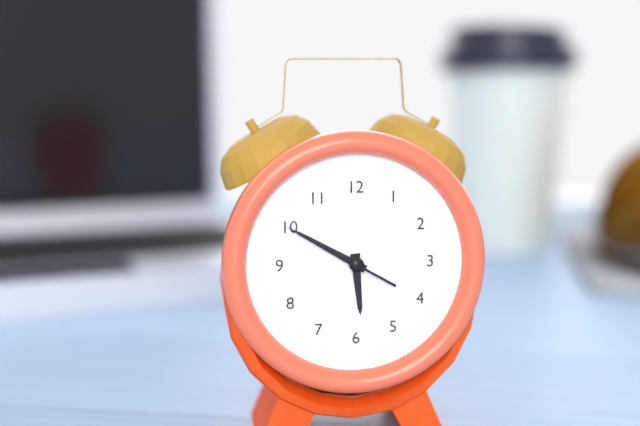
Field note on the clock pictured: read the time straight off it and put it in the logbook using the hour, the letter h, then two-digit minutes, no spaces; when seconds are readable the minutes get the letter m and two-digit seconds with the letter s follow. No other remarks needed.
5h50m50s
